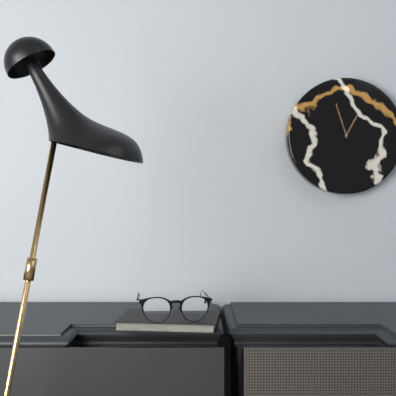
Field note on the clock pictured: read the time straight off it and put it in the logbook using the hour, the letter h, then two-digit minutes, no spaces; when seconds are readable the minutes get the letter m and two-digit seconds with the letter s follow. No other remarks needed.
12h57
